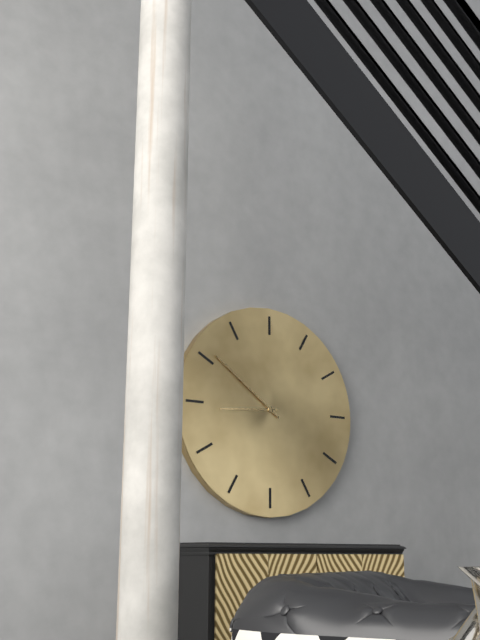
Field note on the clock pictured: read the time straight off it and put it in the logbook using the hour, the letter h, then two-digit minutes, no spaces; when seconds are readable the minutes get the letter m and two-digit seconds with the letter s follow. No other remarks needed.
8h51
